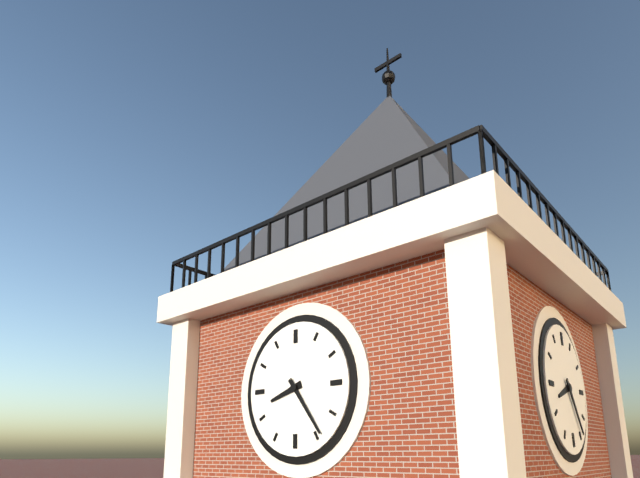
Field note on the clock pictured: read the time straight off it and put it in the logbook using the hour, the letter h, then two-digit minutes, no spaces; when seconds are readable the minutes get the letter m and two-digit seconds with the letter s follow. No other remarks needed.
8h24
